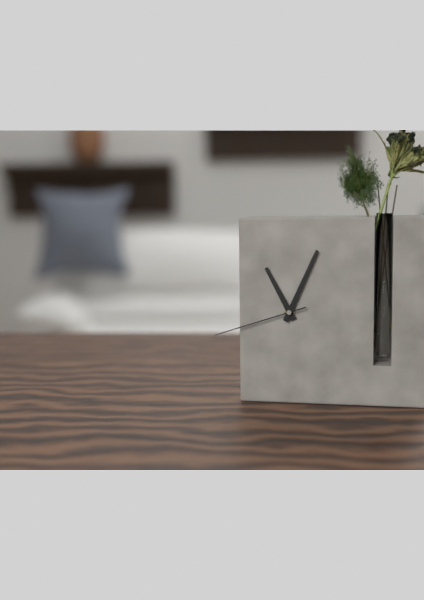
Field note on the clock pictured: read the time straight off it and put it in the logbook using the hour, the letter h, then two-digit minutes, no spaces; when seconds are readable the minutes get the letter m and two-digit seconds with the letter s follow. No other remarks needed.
11h04m42s
